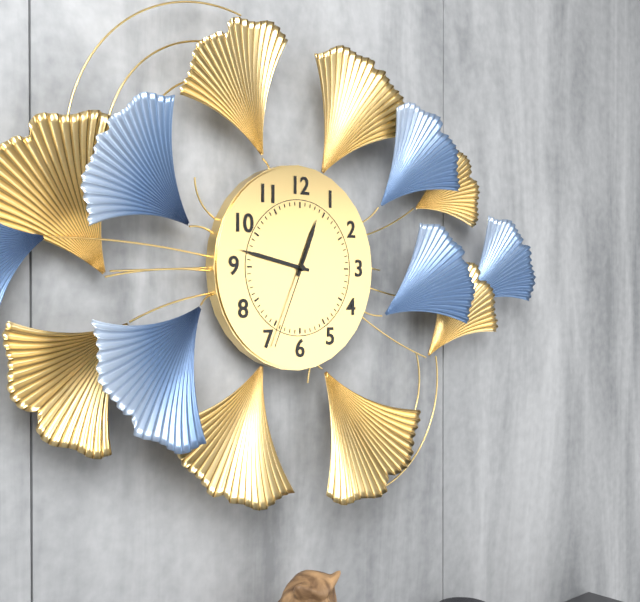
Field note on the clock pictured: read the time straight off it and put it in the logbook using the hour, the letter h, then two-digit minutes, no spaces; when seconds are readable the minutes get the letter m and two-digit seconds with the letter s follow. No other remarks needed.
12h47m34s
